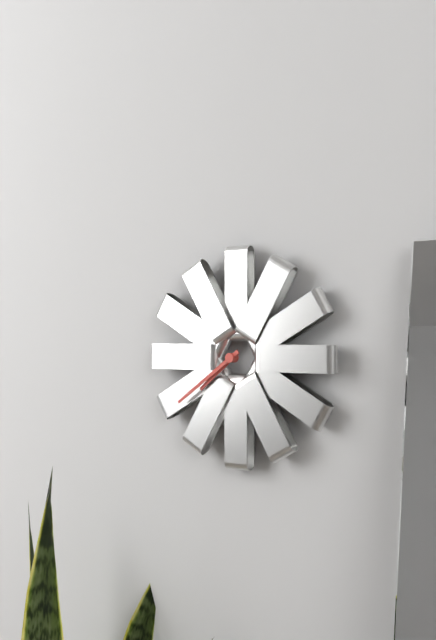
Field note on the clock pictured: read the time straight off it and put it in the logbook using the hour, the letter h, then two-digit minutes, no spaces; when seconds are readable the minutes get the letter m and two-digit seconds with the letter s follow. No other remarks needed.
7h39
